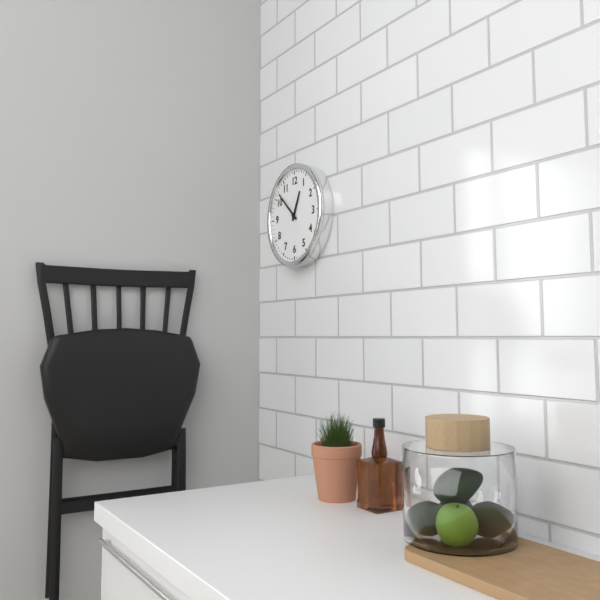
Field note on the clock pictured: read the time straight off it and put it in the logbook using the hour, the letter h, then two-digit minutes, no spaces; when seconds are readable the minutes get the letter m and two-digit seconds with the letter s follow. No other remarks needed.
12h52
